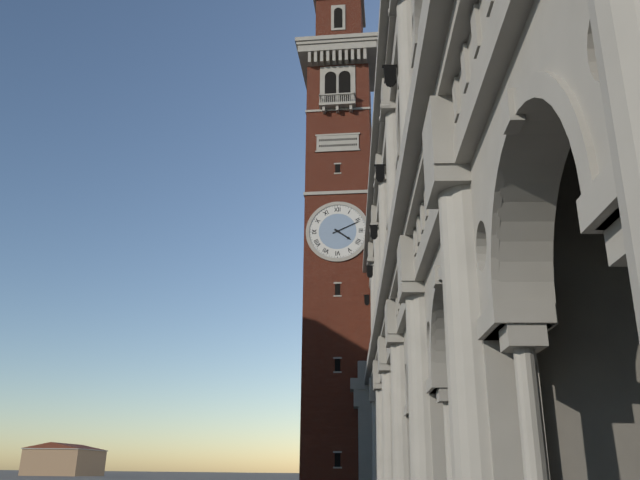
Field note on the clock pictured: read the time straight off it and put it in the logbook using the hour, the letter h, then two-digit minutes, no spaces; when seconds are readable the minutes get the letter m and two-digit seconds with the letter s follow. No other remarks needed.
4h11
